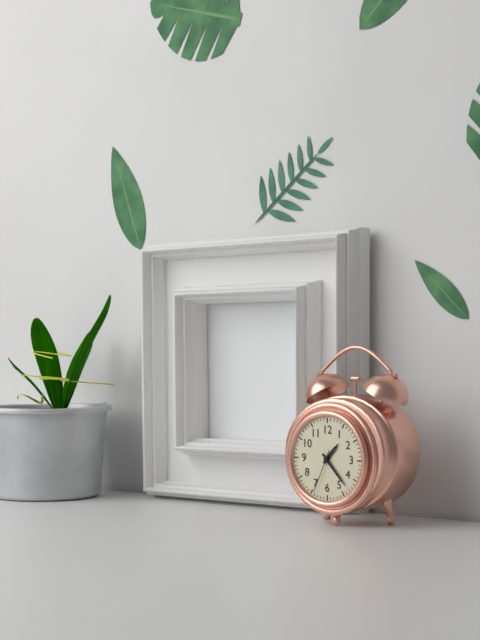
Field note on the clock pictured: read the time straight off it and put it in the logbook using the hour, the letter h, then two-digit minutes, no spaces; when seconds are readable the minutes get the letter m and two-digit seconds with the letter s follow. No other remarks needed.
1h23
